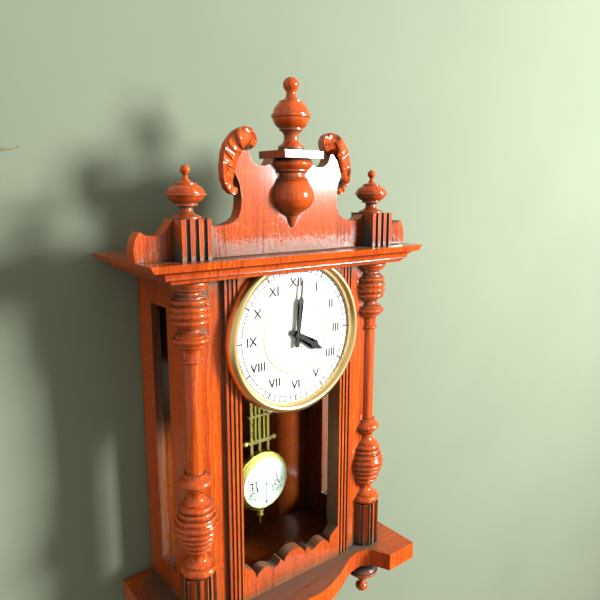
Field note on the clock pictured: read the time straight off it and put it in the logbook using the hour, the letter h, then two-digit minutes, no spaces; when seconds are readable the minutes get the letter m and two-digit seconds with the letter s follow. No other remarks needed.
4h01
